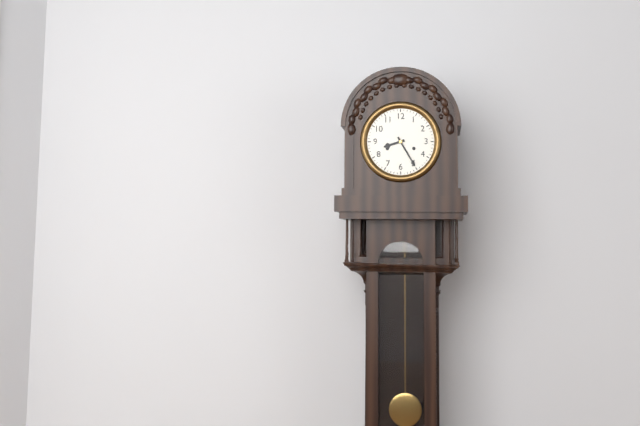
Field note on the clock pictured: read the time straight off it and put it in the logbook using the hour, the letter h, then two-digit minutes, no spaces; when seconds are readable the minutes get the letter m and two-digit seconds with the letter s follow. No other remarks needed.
8h25
